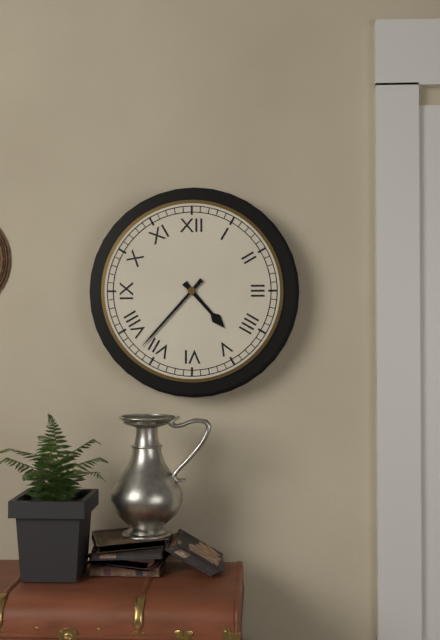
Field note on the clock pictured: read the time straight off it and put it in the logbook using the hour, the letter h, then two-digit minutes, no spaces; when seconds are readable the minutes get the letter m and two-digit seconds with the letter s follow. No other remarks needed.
4h37
